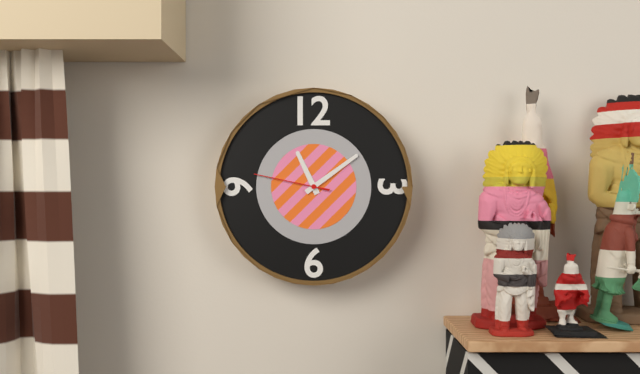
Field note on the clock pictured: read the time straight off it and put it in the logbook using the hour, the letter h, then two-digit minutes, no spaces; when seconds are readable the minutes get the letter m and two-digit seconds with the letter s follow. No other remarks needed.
11h09m47s
